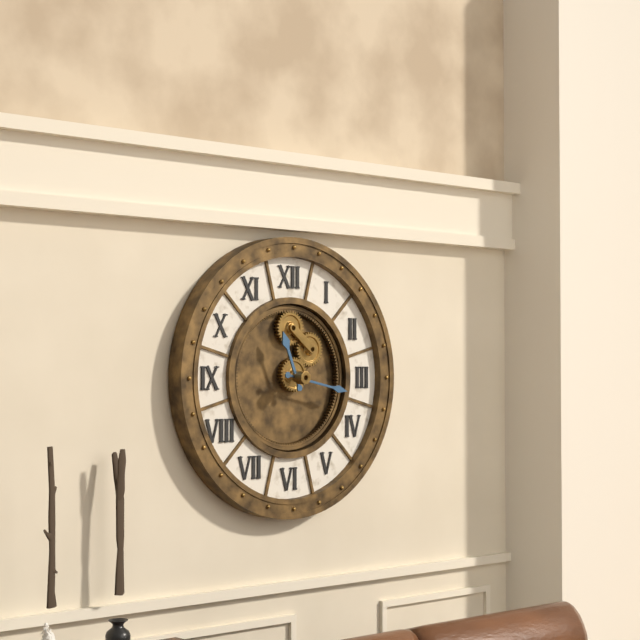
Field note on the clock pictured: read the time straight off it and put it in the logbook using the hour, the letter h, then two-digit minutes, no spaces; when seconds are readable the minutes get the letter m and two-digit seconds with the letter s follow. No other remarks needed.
11h17
